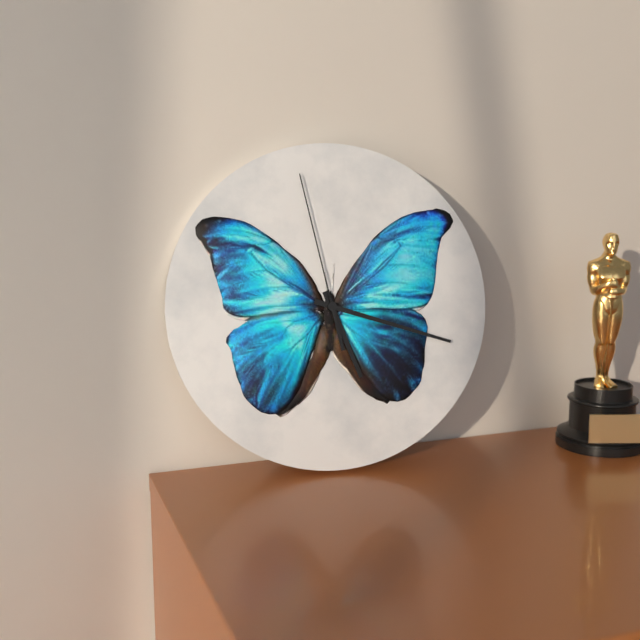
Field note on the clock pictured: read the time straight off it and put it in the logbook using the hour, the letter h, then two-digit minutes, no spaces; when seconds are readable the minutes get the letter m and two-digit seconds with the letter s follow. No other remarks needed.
5h18m58s
